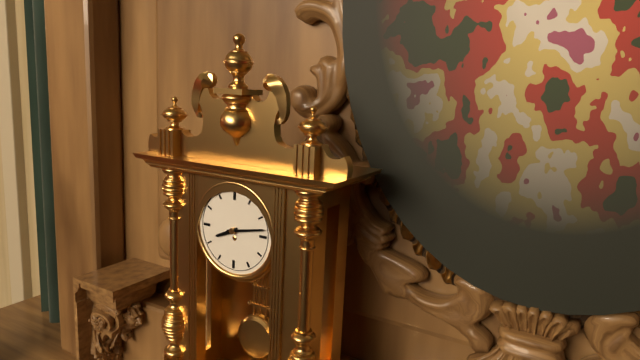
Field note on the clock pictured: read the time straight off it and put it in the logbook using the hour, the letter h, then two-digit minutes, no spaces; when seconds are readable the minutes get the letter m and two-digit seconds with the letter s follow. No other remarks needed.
8h13
